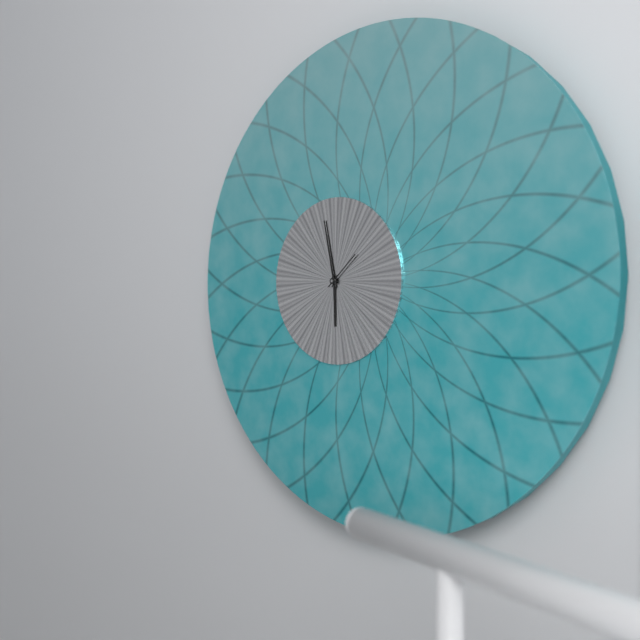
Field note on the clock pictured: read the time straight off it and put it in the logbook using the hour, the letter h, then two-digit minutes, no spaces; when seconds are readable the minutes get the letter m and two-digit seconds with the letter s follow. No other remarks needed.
5h58
